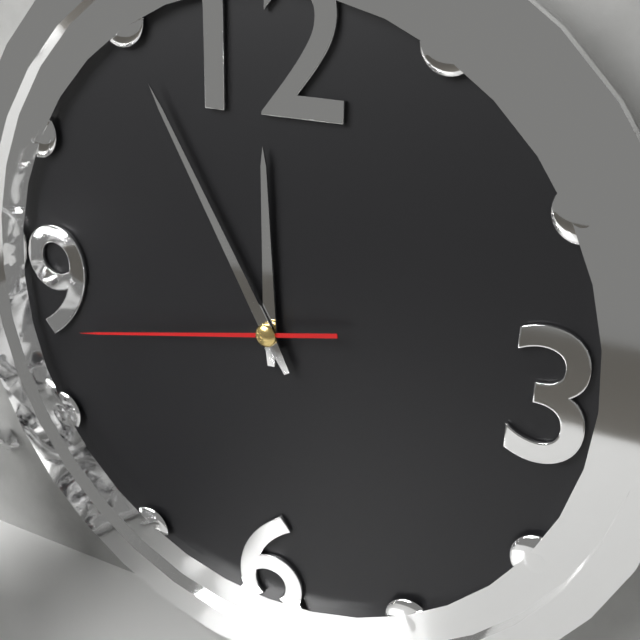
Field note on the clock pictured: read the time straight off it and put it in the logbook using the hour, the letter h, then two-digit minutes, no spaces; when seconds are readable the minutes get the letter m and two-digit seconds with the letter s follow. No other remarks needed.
11h55m43s
